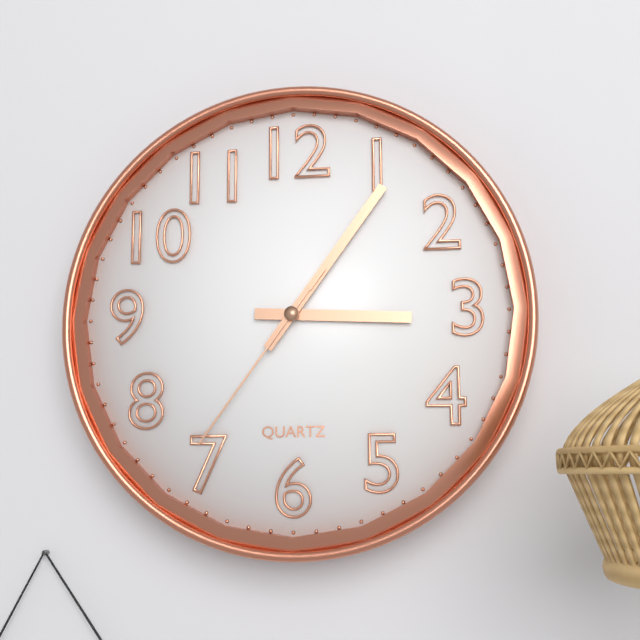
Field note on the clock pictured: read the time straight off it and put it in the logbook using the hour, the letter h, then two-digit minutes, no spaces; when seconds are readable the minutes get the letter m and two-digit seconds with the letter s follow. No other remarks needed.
3h06m36s
